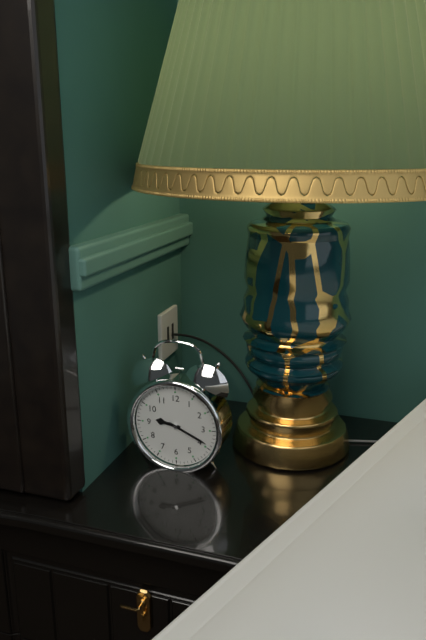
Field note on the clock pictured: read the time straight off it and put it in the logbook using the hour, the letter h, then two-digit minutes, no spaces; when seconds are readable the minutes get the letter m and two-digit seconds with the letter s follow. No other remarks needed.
9h19
